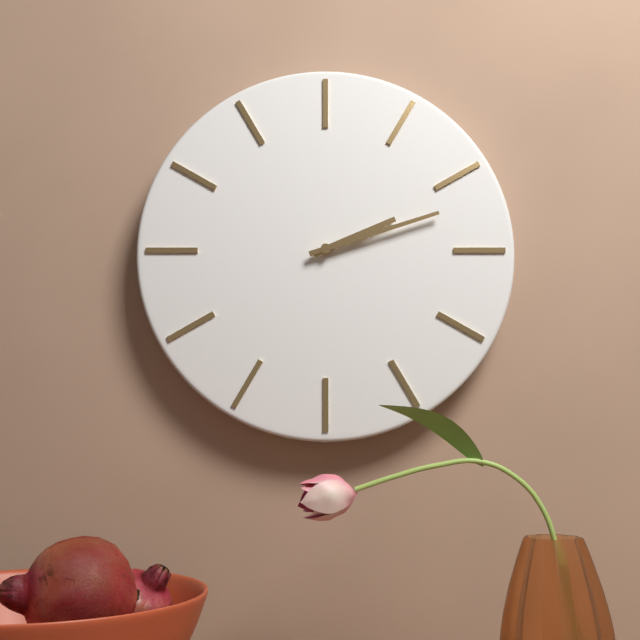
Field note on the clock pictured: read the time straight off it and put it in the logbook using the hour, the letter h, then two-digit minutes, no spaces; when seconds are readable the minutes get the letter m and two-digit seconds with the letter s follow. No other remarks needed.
2h12
